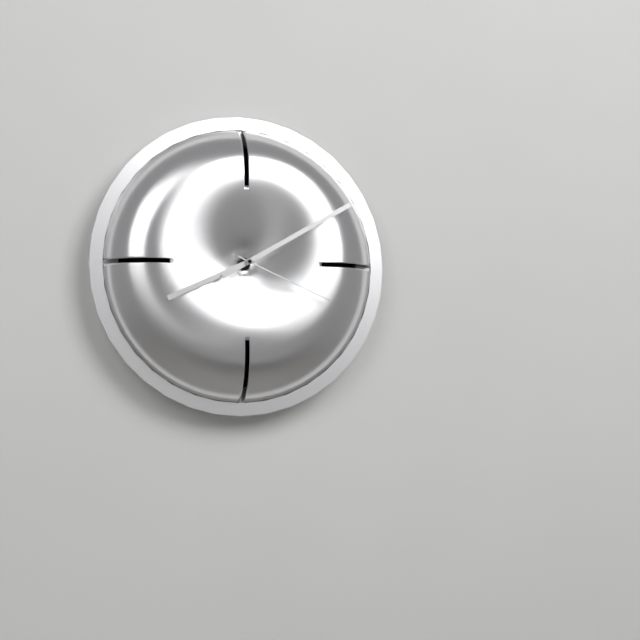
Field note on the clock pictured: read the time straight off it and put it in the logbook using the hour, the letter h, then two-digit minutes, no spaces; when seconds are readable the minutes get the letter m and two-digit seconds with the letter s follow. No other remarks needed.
8h10m19s
